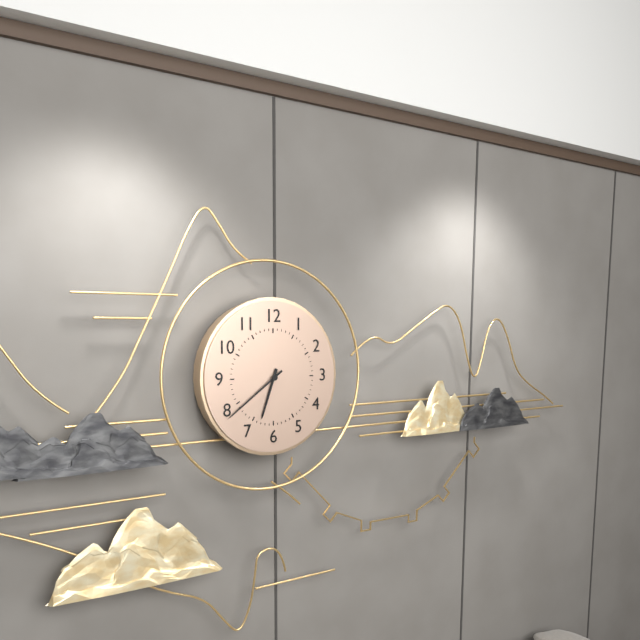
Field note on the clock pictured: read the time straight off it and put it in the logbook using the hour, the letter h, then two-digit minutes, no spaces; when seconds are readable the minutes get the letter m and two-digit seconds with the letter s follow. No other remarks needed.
6h39
